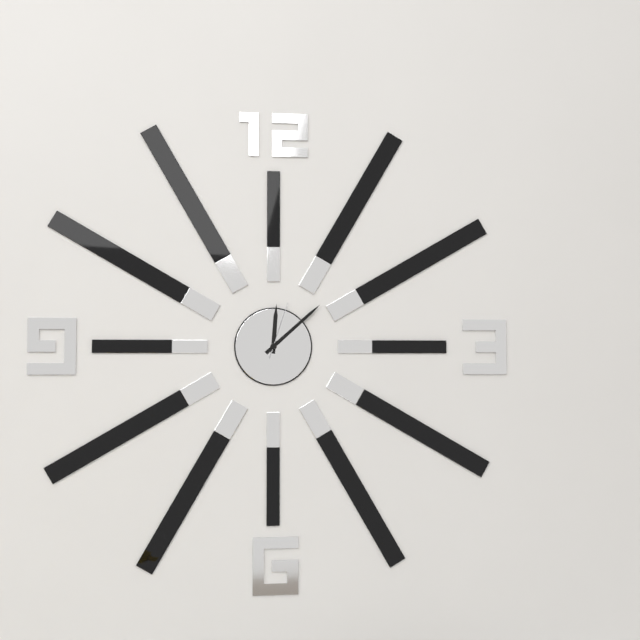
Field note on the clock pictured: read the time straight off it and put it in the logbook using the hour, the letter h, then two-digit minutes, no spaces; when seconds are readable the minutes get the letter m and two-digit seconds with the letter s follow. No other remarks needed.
12h08m03s
